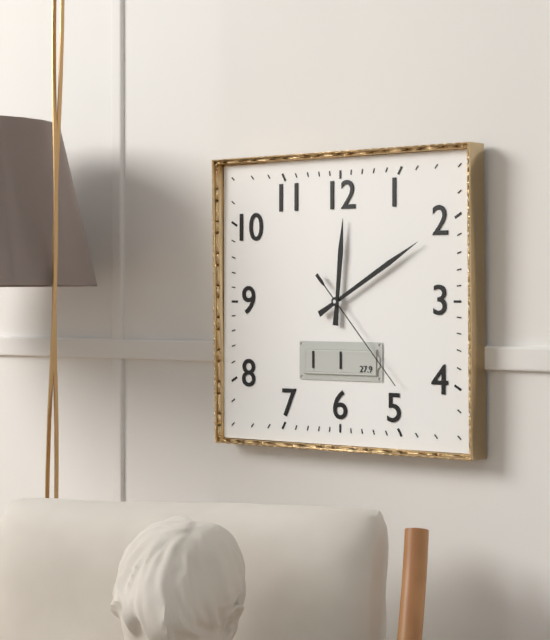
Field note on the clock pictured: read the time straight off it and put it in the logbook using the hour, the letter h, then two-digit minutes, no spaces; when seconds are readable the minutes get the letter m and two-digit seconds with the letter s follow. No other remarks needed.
12h10m23s
